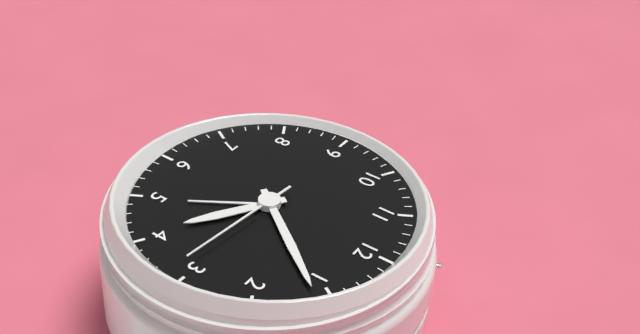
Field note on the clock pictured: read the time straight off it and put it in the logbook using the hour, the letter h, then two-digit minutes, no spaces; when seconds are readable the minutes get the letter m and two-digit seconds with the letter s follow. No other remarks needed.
4h06m16s
